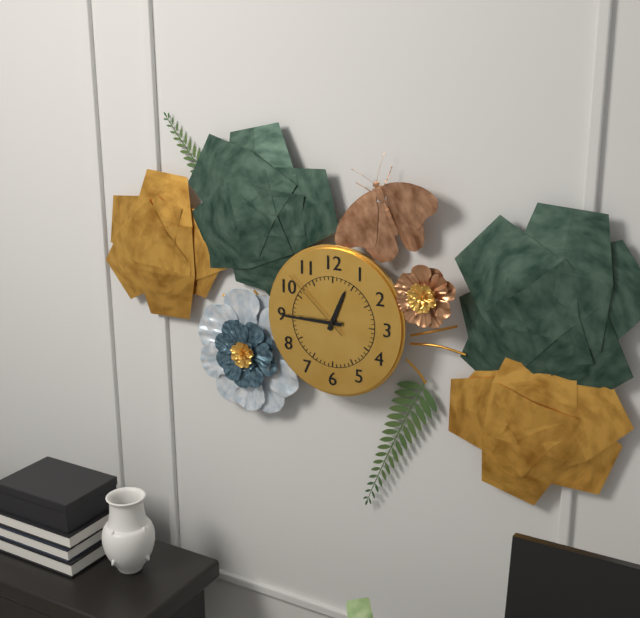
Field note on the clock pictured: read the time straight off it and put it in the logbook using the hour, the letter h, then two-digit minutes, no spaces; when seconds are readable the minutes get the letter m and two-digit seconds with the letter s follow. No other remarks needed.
12h45m52s
